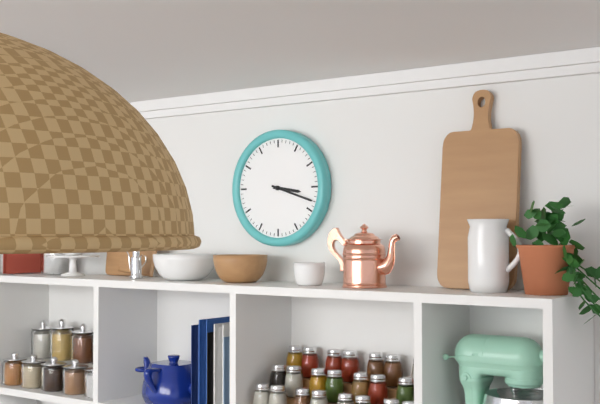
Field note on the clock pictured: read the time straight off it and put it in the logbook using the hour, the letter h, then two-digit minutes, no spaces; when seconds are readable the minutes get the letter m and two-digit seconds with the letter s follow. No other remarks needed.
3h18
